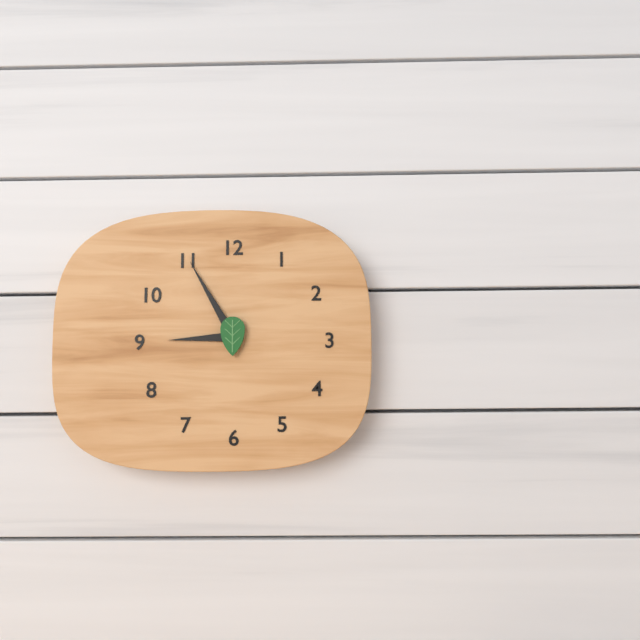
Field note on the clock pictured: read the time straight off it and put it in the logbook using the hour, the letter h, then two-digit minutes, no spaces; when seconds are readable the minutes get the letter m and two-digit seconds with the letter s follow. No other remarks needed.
8h55
